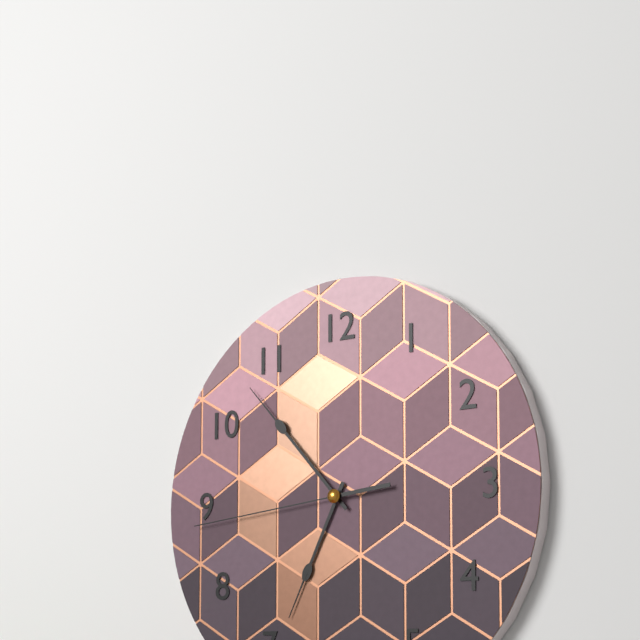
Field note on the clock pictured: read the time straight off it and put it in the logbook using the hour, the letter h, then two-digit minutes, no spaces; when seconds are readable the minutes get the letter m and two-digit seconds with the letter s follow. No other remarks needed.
6h53m44s
